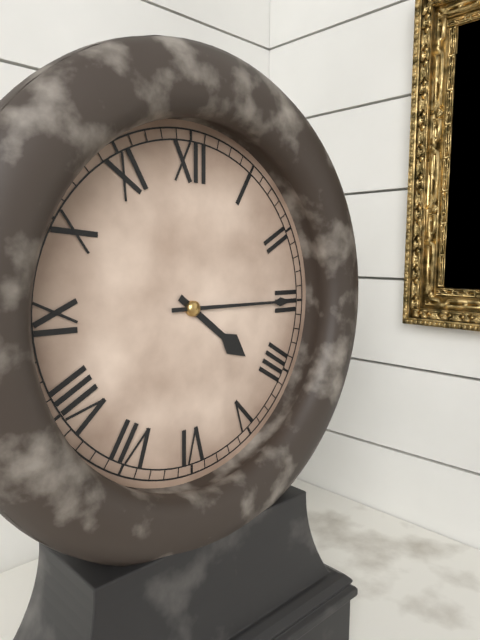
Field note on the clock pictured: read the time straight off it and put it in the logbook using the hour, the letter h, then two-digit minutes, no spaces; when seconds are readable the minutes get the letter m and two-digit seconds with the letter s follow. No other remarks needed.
4h15
